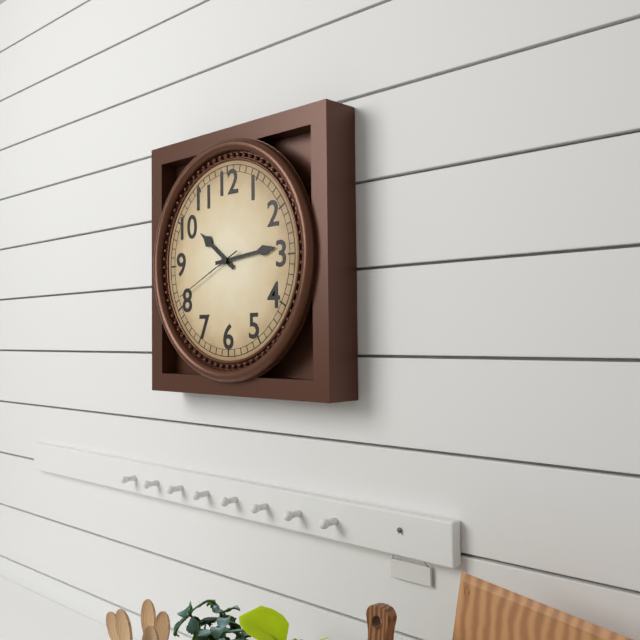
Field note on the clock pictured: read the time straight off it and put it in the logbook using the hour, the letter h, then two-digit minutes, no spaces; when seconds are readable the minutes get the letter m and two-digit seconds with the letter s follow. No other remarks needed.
10h14m41s
